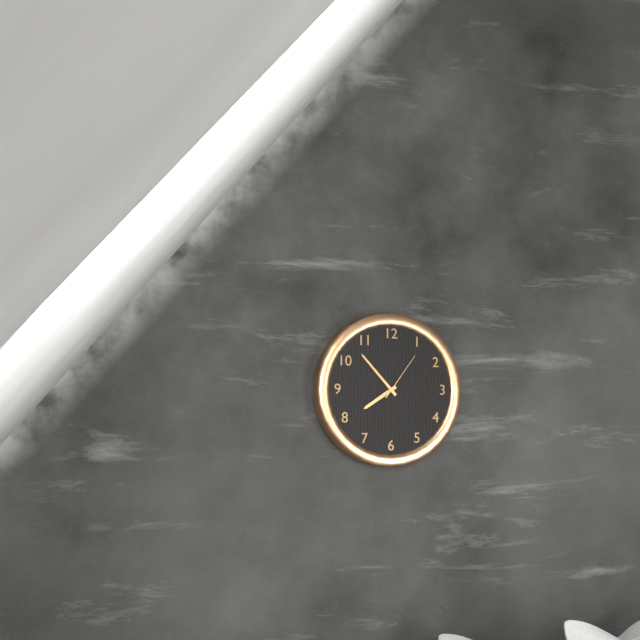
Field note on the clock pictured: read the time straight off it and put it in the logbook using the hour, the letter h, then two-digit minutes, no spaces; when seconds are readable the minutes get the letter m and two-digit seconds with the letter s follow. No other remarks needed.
7h53m06s
